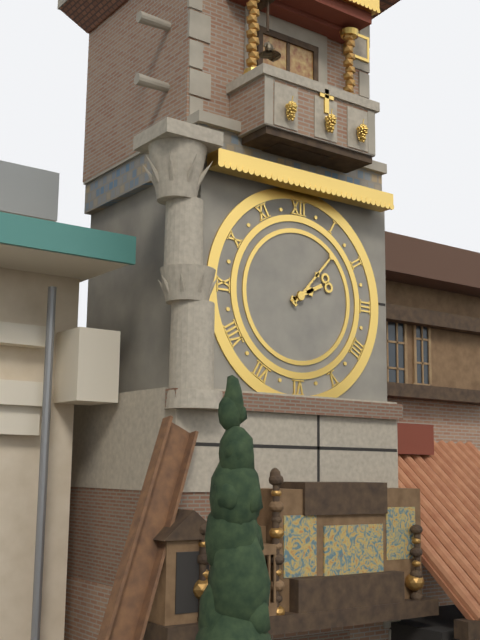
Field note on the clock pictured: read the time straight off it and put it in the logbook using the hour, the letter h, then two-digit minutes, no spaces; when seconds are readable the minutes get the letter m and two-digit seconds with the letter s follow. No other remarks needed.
2h07
